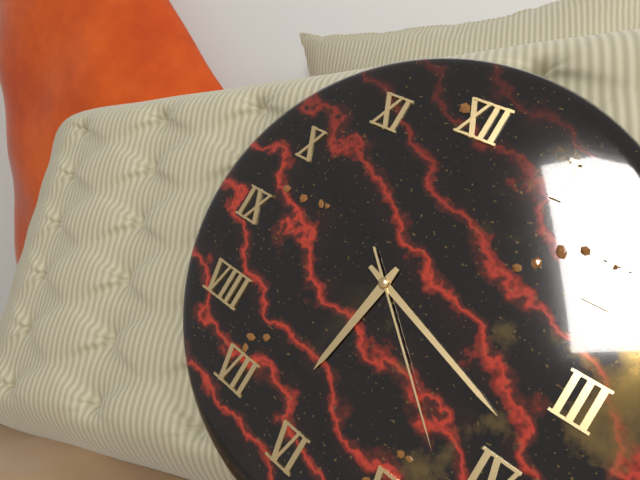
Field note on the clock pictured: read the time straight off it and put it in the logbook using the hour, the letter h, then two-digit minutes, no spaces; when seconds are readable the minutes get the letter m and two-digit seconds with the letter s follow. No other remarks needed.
6h18m22s
